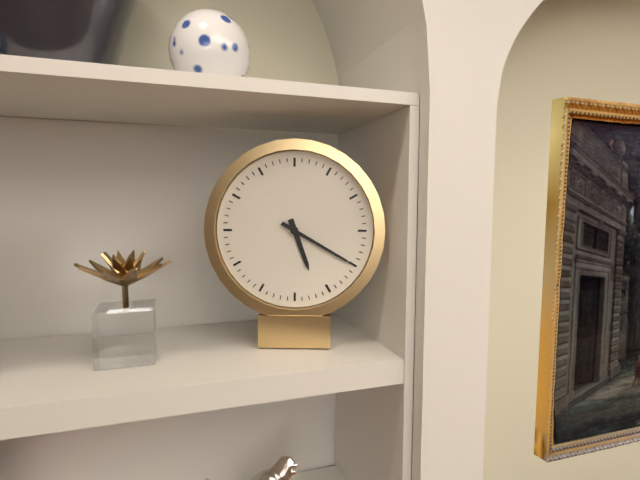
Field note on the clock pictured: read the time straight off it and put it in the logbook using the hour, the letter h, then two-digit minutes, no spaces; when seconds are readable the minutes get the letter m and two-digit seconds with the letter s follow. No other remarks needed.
5h20
